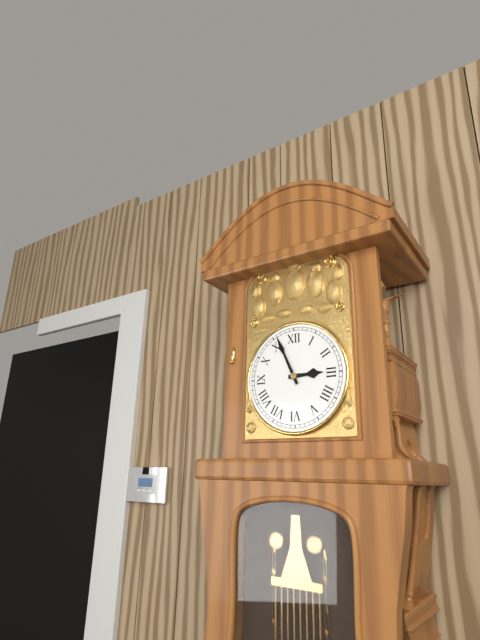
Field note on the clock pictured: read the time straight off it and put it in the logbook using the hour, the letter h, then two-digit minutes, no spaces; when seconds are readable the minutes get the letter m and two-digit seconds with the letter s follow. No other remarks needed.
2h56
